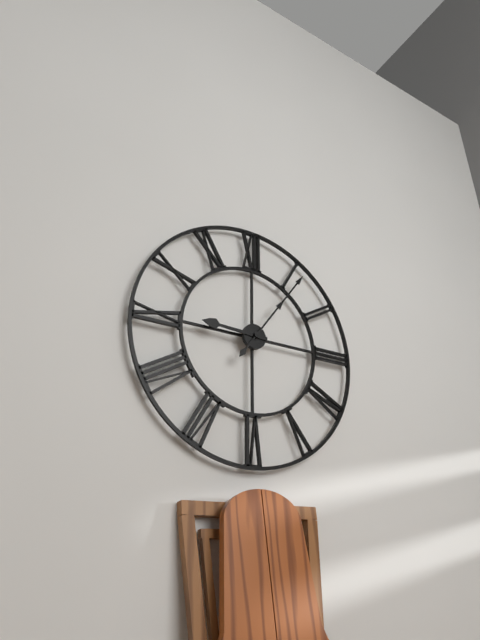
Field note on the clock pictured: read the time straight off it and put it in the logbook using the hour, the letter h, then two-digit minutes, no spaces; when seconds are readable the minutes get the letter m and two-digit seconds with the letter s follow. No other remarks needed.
9h06
